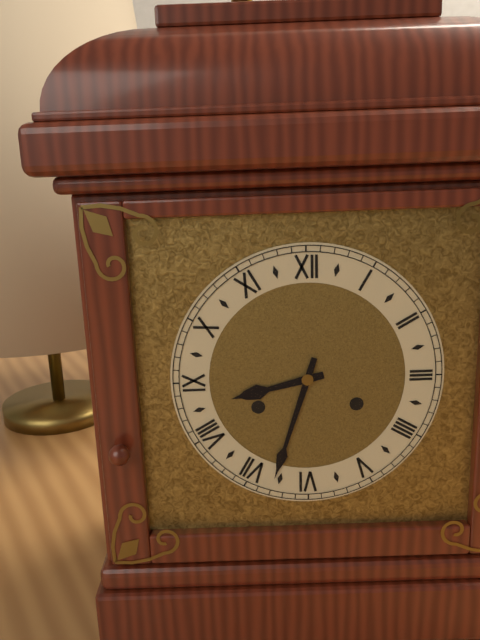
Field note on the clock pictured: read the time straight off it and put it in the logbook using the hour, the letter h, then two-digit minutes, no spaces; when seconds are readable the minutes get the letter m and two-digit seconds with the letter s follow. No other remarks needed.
8h33
